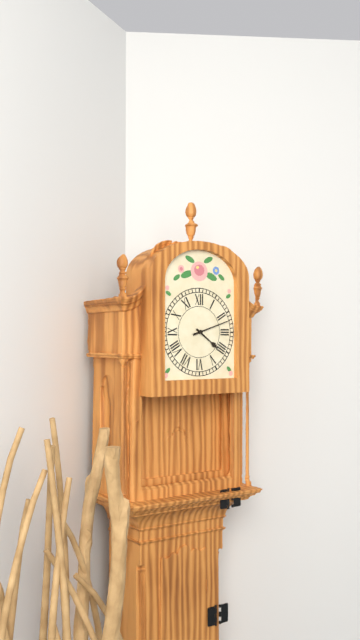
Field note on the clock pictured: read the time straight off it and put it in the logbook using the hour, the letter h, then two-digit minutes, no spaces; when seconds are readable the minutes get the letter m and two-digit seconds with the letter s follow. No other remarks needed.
4h12
